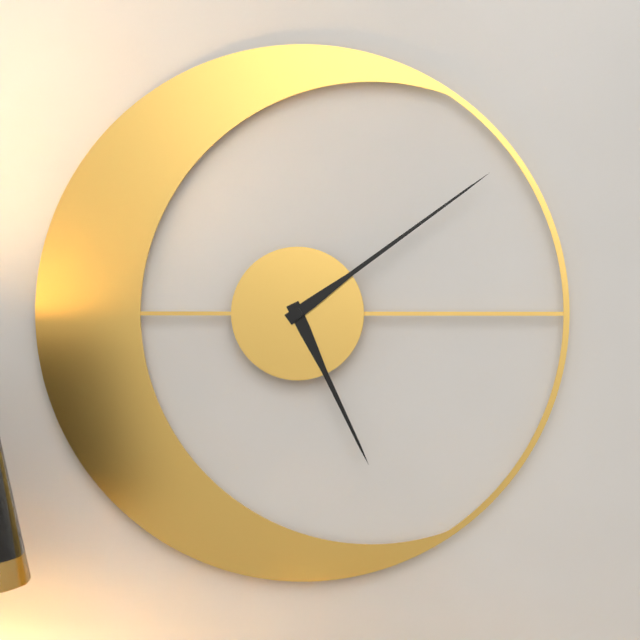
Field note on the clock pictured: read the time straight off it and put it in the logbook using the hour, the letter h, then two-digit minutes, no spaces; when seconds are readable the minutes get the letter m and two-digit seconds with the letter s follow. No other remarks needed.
5h09
